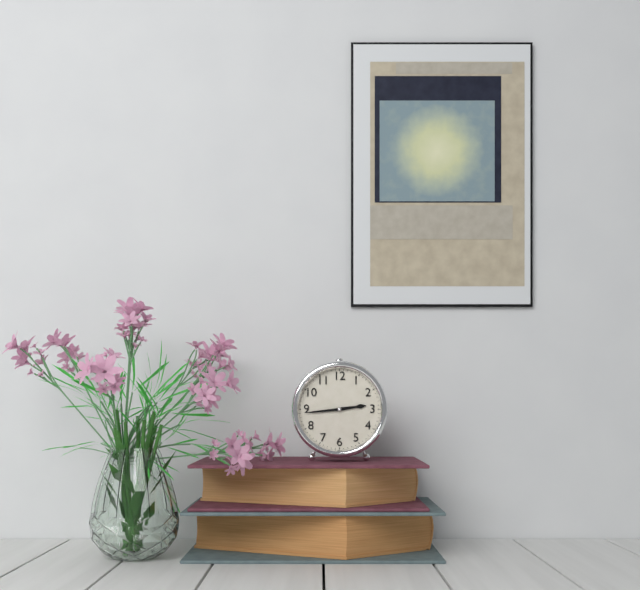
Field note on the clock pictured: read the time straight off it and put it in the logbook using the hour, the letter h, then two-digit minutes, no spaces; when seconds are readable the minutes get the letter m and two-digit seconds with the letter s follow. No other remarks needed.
2h44
